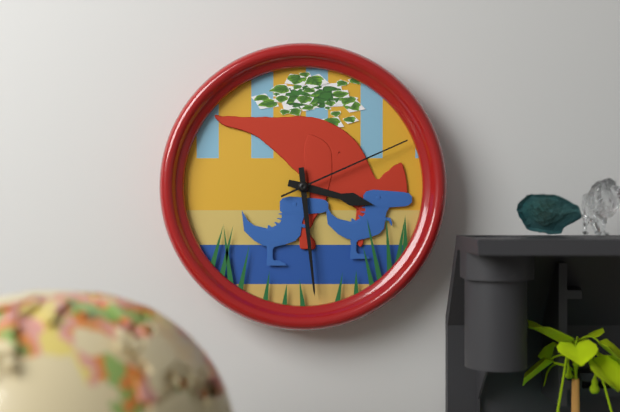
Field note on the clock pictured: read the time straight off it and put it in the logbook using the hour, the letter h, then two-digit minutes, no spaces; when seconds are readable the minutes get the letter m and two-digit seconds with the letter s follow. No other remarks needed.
3h29m11s
